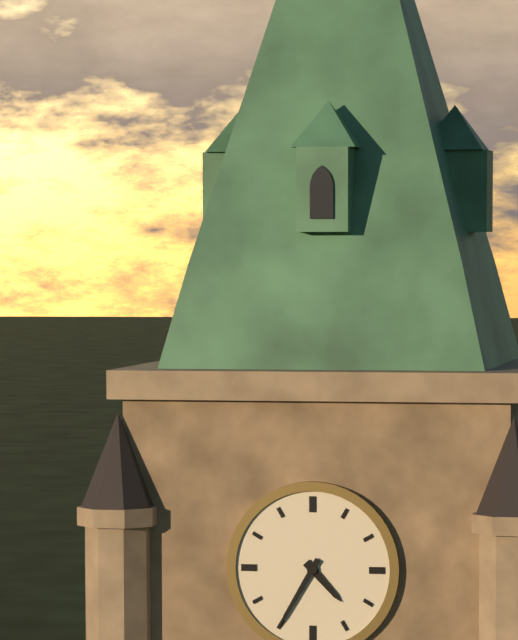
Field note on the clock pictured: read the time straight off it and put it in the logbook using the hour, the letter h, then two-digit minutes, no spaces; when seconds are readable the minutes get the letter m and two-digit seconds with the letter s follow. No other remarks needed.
4h35
